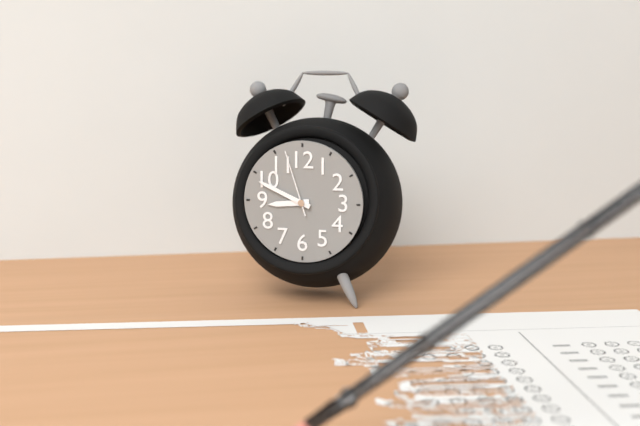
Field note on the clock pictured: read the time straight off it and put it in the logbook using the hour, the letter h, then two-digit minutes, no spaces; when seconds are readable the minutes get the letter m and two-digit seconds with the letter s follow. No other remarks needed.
8h49m57s
